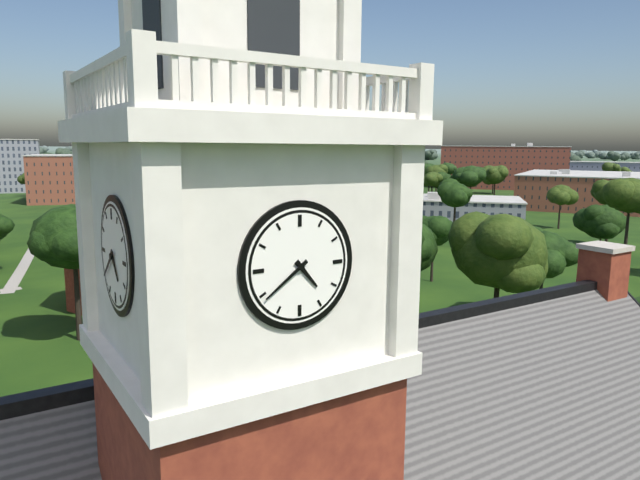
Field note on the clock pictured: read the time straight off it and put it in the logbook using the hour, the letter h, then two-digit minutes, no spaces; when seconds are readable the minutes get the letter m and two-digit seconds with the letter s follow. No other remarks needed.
4h39
